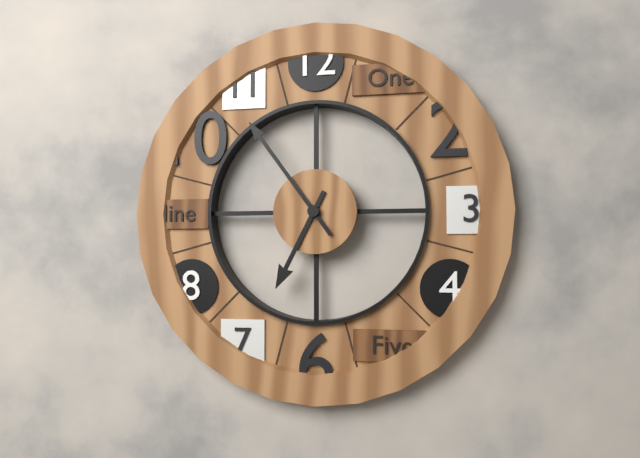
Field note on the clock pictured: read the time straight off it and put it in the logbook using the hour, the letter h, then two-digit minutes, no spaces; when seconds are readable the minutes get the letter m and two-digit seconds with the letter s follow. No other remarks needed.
6h54
